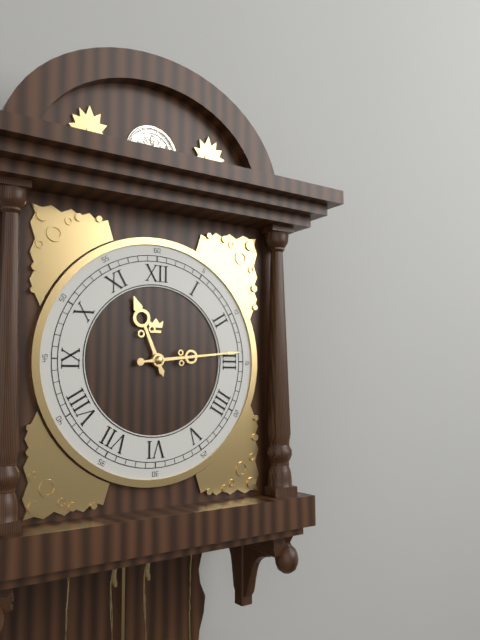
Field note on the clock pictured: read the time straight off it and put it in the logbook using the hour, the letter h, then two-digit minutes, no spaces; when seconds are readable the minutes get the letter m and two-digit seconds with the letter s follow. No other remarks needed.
11h14
